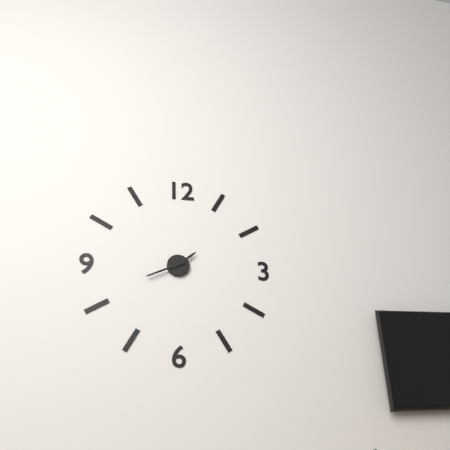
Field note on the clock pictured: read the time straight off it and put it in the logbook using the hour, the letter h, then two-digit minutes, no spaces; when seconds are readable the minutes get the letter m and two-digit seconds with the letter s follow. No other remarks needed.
1h41
